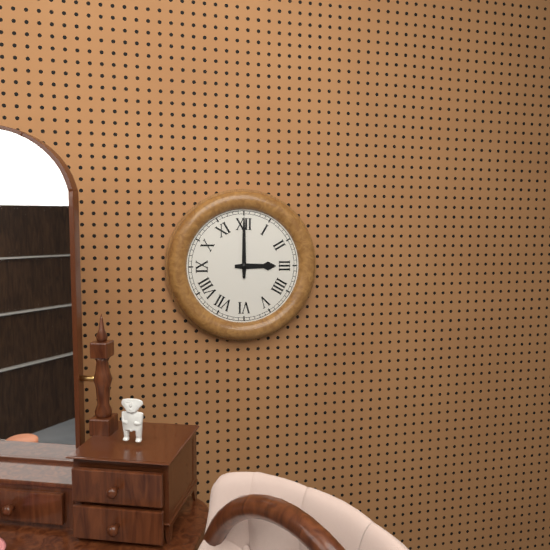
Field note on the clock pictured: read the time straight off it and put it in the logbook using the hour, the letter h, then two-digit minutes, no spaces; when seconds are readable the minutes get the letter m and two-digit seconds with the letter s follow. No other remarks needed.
3h00
